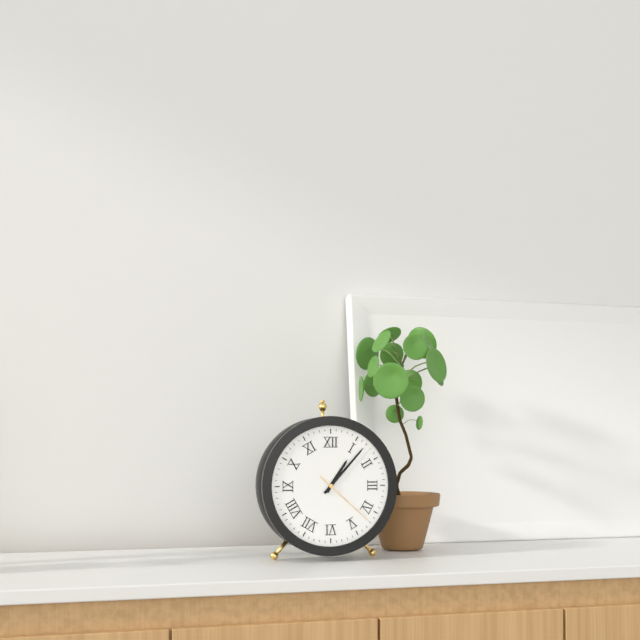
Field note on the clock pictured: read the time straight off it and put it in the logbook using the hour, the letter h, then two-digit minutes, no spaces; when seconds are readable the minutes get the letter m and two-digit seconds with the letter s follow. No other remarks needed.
1h07m22s
